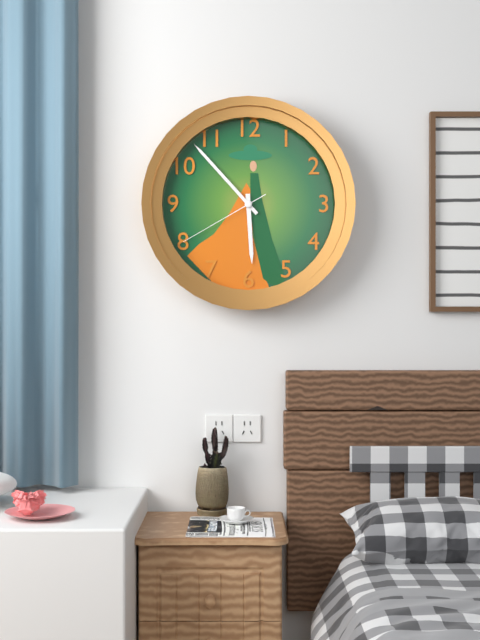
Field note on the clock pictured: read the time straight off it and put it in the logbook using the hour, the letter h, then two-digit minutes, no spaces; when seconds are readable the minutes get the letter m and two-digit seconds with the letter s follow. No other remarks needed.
5h53m40s
